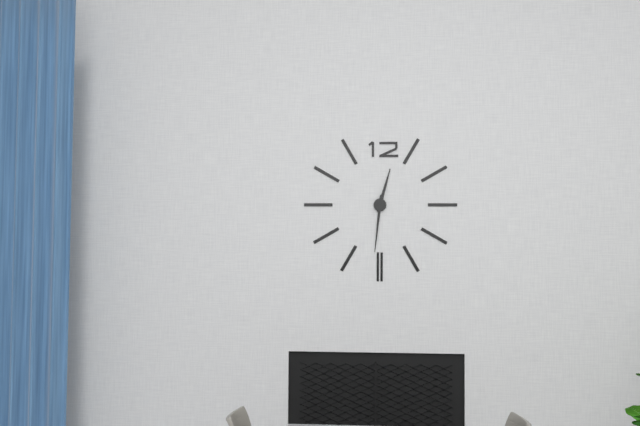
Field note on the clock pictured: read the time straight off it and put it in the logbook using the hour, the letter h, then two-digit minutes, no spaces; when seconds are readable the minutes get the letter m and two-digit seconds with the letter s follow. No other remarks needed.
12h31
